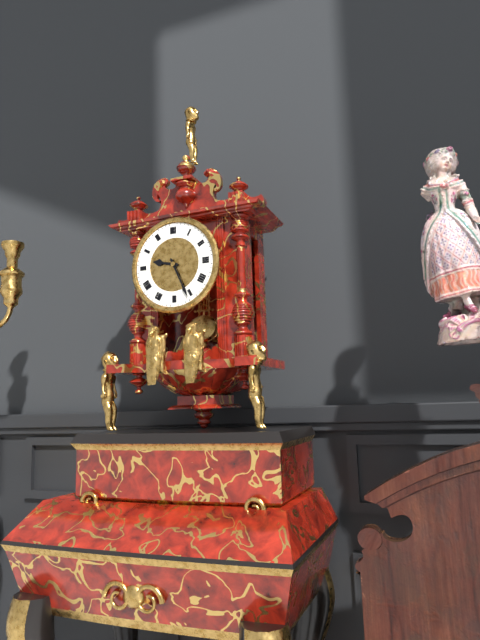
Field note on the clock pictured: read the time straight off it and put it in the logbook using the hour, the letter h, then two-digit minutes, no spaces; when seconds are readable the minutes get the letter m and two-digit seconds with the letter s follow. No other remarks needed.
9h26
